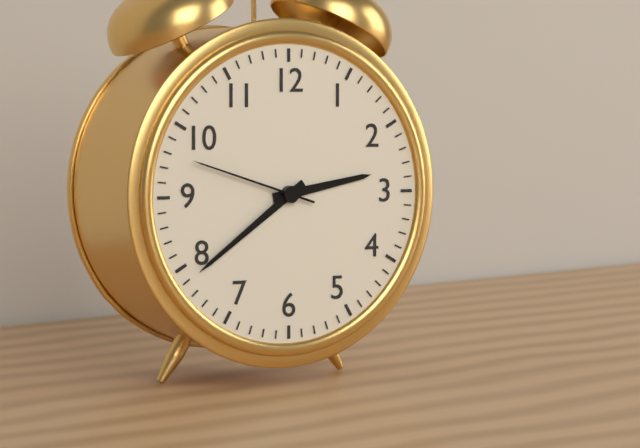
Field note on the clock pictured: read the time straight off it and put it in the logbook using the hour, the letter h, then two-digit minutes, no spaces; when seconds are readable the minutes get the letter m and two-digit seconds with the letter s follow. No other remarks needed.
2h39m48s
